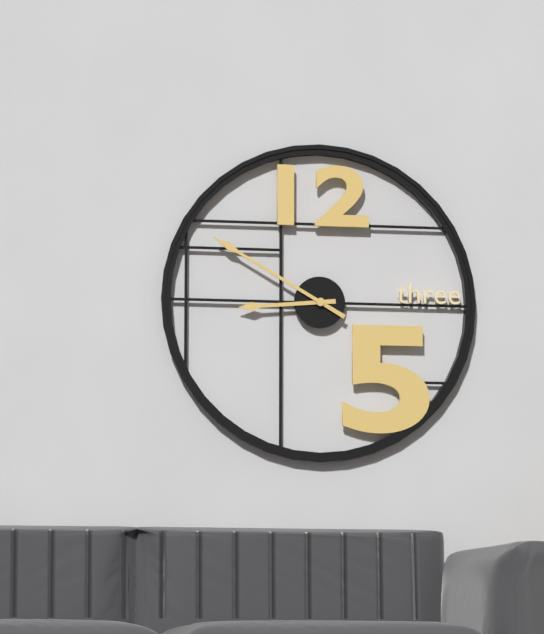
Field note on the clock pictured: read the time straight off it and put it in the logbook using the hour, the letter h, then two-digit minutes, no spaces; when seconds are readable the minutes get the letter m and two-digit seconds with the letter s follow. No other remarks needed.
8h50
